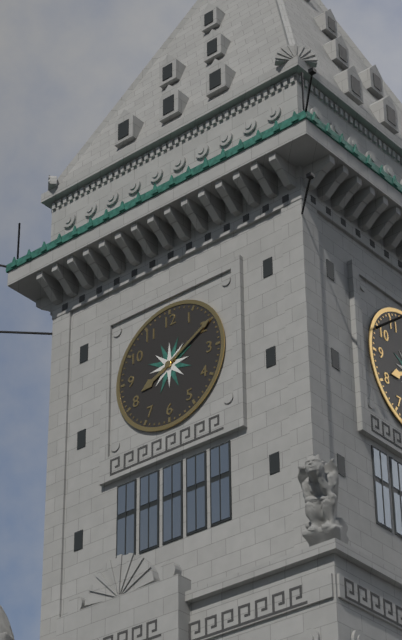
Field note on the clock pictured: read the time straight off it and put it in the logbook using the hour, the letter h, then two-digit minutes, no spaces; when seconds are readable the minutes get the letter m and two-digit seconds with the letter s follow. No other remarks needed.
8h10
